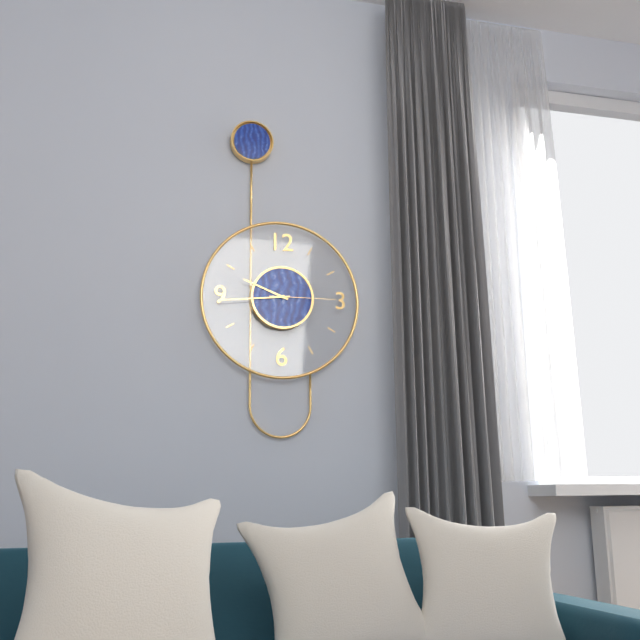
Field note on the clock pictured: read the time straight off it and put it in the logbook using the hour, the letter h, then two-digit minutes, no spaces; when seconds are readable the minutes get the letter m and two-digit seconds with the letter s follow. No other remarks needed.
9h44m15s
